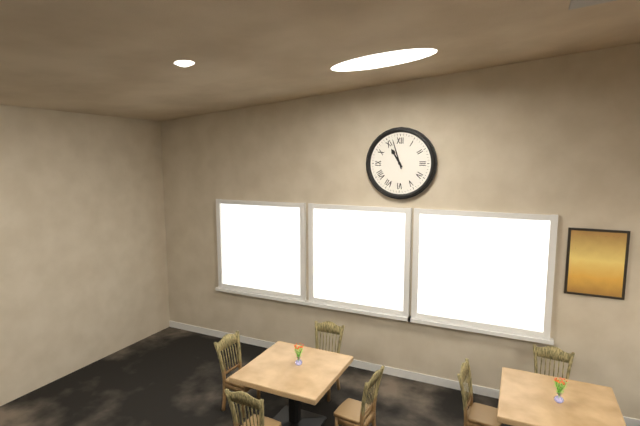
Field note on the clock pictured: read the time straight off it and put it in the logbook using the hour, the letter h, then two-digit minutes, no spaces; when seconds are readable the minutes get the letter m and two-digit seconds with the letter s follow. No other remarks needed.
10h57
